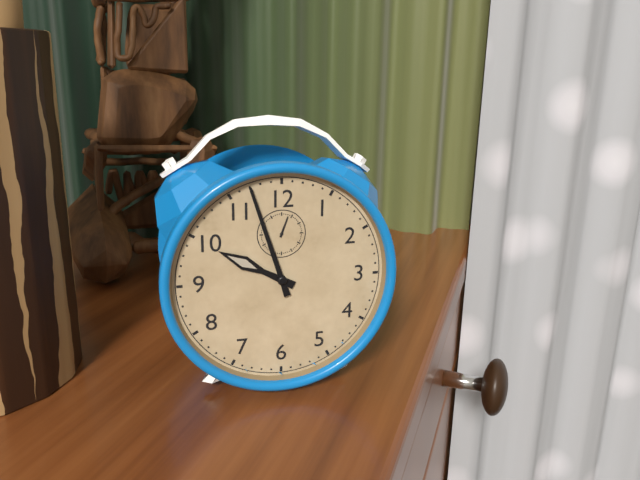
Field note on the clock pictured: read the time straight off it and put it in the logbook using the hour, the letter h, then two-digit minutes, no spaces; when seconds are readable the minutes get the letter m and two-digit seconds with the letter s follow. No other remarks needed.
9h57
